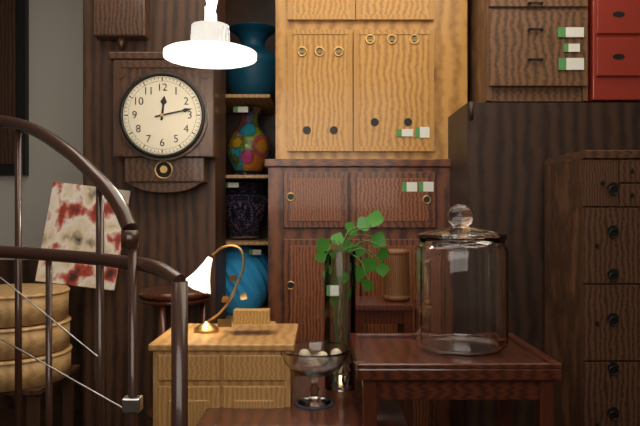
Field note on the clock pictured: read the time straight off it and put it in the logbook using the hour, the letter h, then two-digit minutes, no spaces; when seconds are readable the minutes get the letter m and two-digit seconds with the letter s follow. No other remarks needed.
12h13
